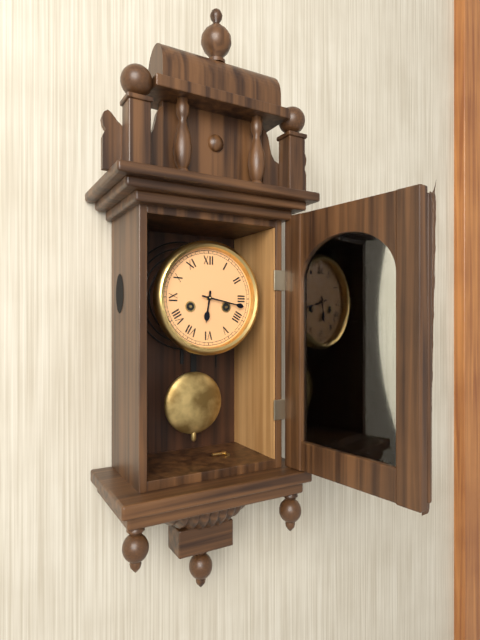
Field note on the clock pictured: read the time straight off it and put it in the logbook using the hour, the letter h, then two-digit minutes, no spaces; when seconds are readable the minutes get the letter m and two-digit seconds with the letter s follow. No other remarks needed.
6h17
